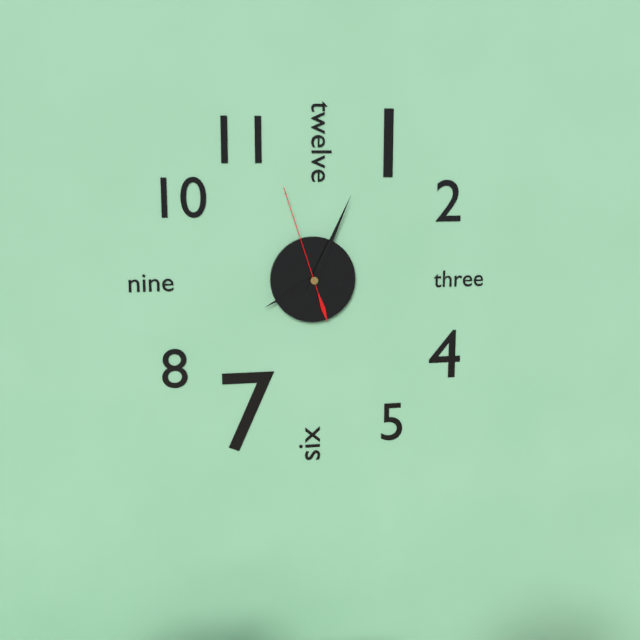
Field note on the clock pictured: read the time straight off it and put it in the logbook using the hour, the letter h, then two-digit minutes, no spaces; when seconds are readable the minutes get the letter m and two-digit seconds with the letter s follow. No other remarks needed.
8h04m57s
